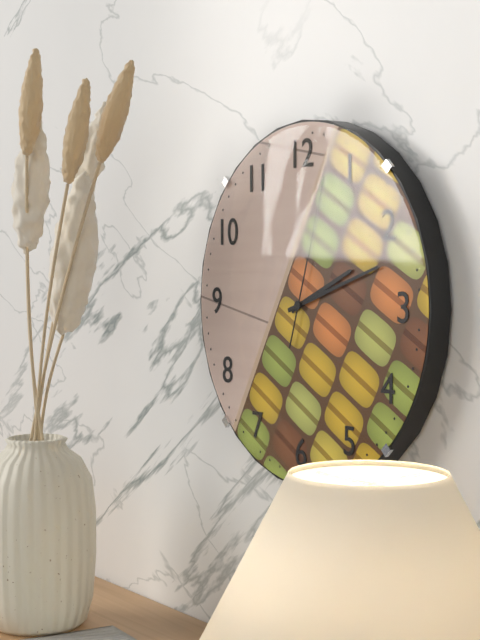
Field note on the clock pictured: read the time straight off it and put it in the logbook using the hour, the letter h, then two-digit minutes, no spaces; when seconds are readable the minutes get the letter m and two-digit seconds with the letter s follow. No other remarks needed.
2h12m03s
